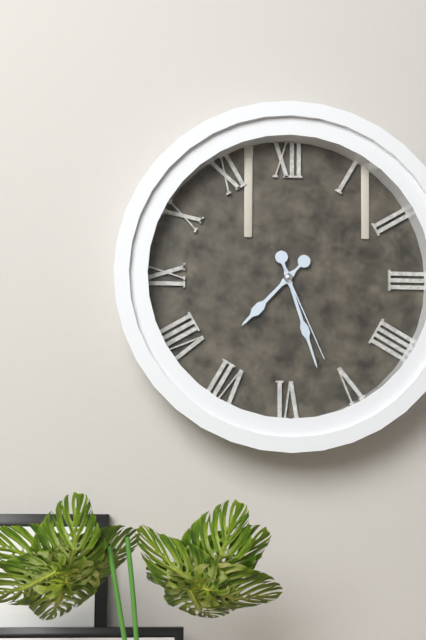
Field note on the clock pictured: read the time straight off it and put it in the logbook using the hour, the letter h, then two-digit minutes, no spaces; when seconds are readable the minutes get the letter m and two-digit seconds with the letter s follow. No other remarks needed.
7h27m26s
